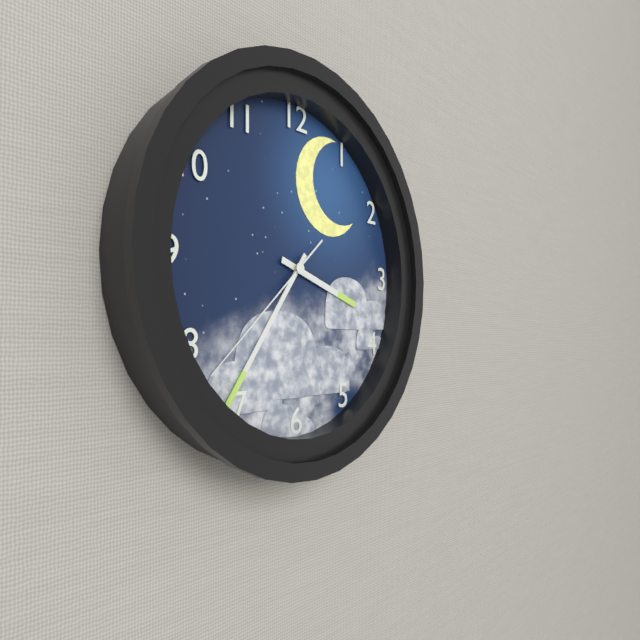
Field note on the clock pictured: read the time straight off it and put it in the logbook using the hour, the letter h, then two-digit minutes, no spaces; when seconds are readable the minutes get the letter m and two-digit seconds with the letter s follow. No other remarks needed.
3h36m38s
